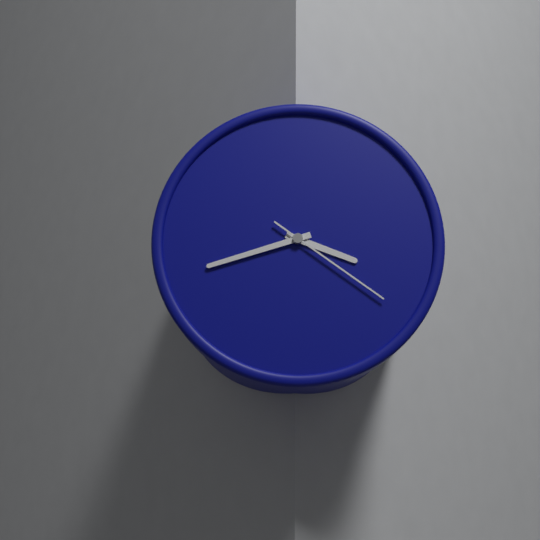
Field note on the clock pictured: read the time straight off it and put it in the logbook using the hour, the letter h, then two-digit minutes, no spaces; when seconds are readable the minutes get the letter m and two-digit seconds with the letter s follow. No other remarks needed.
3h42m21s
